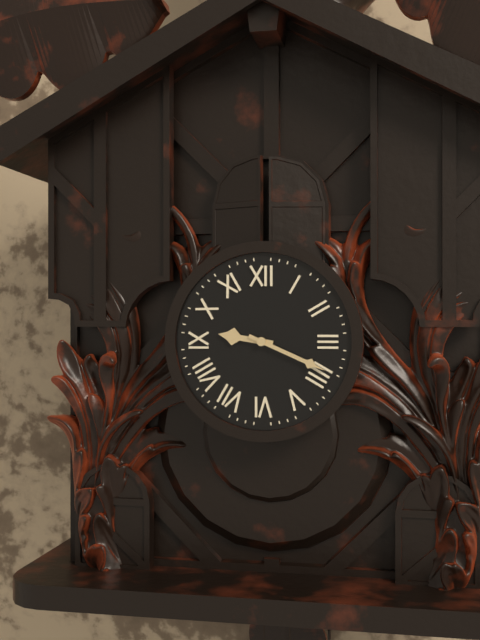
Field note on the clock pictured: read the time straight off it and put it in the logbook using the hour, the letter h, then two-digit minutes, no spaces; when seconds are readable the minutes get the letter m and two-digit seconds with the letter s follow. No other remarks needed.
9h19
